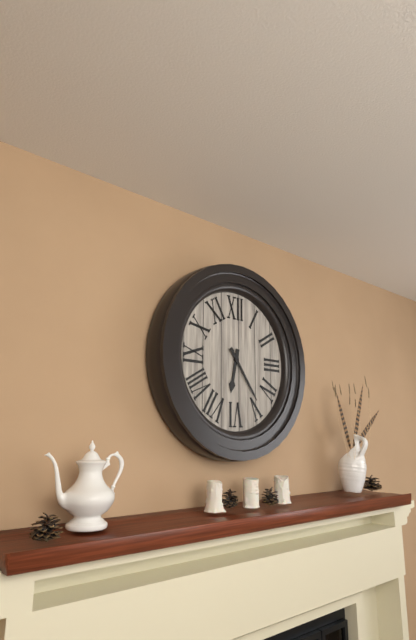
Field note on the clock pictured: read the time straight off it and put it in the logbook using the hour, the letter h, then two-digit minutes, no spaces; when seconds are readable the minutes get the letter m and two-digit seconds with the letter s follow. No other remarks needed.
6h24
